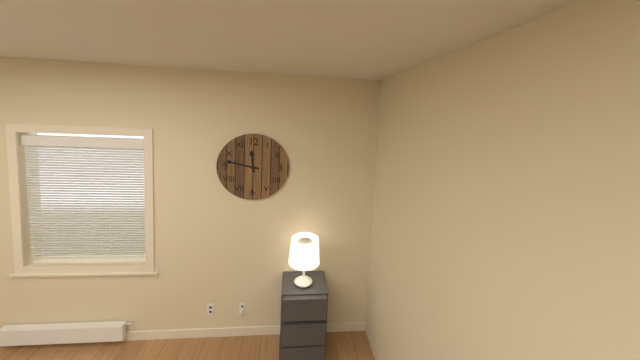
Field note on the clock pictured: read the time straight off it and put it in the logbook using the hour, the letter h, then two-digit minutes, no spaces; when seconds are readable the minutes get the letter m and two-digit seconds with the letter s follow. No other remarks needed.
11h47
